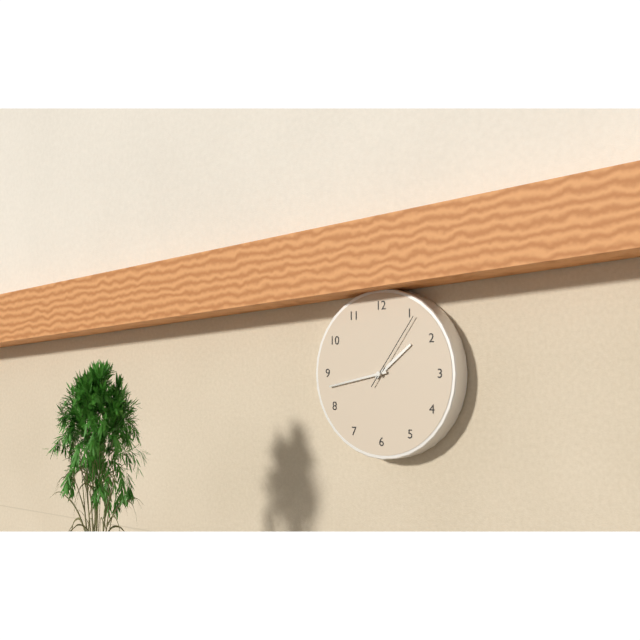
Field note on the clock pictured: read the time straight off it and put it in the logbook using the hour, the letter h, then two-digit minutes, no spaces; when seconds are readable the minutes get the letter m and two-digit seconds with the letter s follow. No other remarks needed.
1h43m06s
